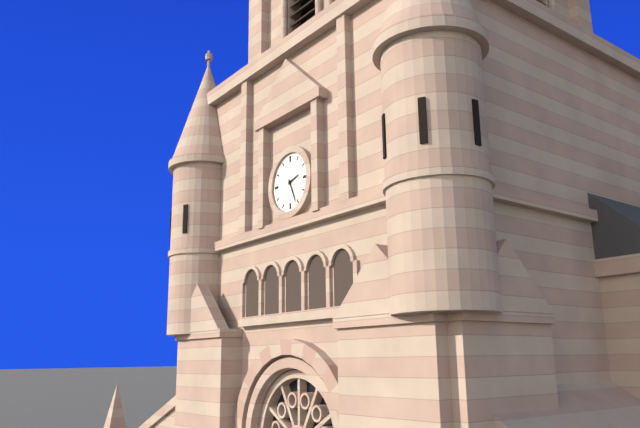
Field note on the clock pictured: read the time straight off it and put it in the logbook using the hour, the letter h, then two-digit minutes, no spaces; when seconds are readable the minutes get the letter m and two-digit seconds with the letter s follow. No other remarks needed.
2h26
